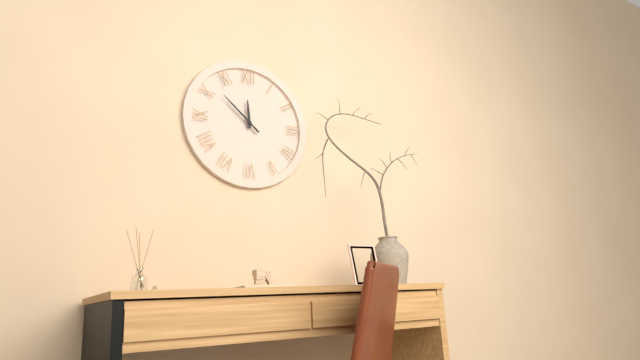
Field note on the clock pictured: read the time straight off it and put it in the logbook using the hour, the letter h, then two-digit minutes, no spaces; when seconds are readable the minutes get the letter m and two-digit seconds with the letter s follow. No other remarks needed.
11h52
